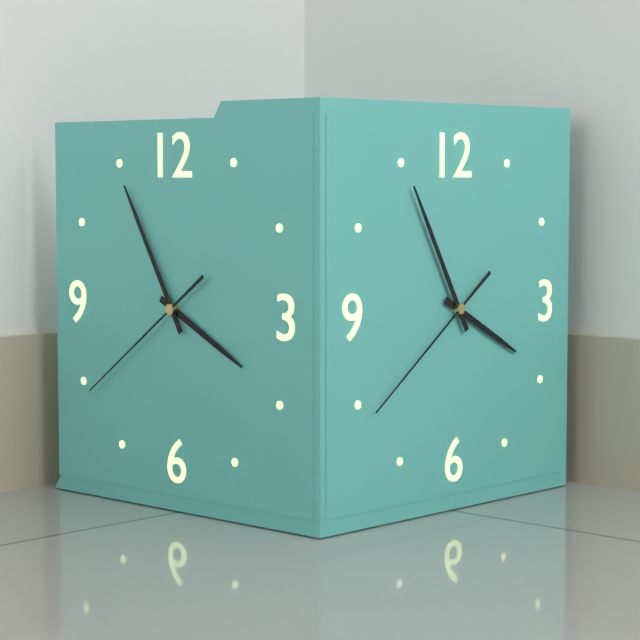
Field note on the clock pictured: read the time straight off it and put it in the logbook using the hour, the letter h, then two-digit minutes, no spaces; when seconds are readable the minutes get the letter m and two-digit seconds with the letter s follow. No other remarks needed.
3h55m39s
